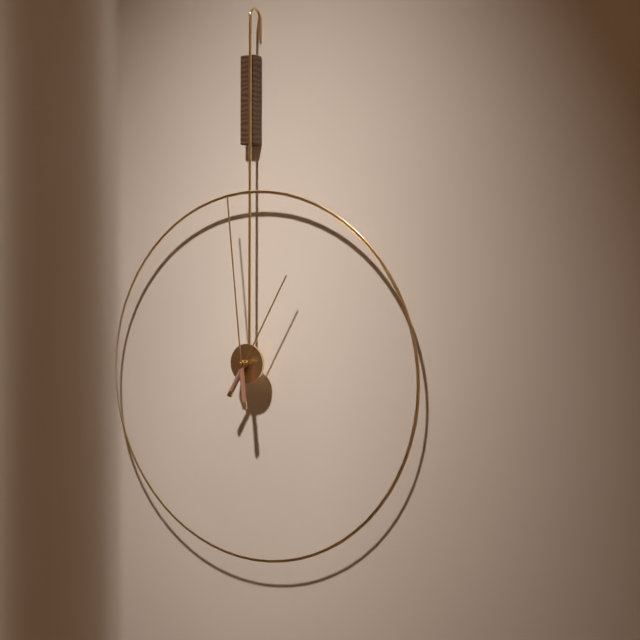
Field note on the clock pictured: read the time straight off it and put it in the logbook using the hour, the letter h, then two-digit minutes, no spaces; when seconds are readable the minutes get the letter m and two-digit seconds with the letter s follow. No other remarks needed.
12h59
